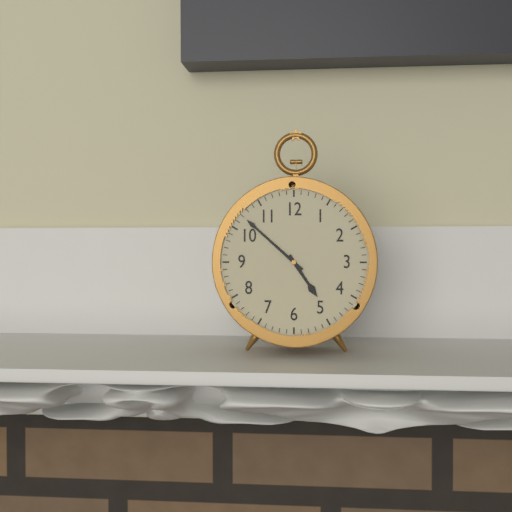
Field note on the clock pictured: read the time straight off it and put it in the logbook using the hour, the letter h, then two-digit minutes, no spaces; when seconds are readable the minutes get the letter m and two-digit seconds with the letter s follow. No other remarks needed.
4h52
